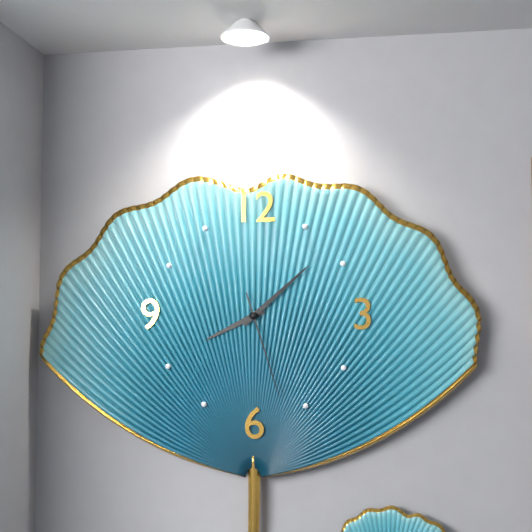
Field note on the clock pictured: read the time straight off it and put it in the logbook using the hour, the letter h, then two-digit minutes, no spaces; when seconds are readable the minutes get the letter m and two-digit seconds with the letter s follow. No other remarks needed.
8h08m27s
